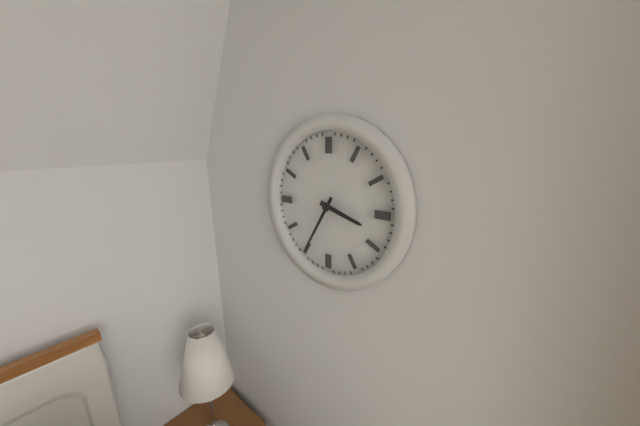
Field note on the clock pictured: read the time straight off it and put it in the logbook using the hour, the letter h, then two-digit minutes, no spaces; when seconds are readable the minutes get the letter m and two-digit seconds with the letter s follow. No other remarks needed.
3h35
